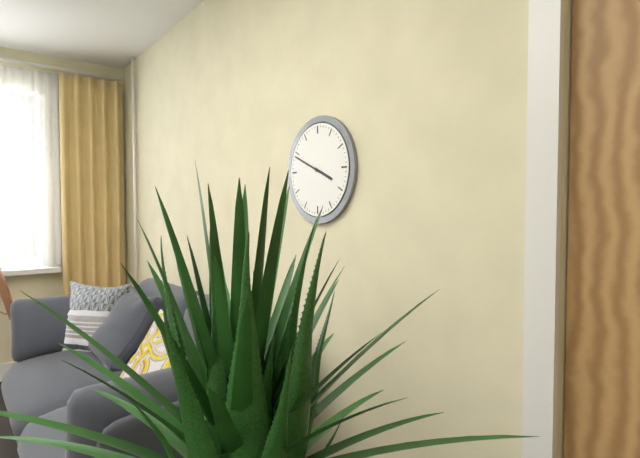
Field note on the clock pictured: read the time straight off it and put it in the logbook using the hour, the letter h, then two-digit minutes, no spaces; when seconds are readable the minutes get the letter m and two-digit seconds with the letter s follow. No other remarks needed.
3h49
